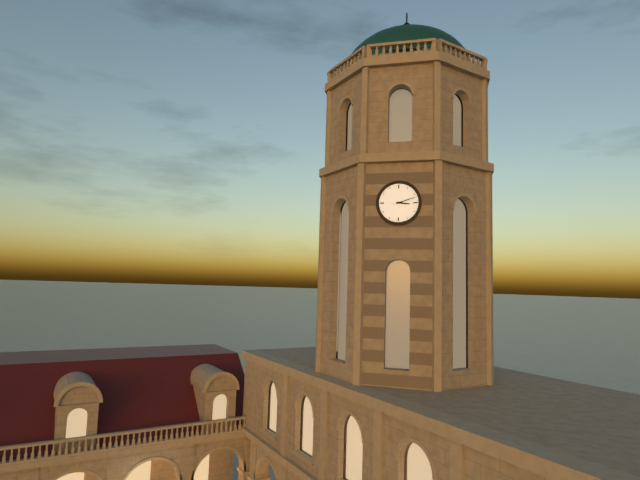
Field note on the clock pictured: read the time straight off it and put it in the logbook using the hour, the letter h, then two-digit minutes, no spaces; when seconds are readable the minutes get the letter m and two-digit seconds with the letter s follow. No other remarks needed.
3h12
